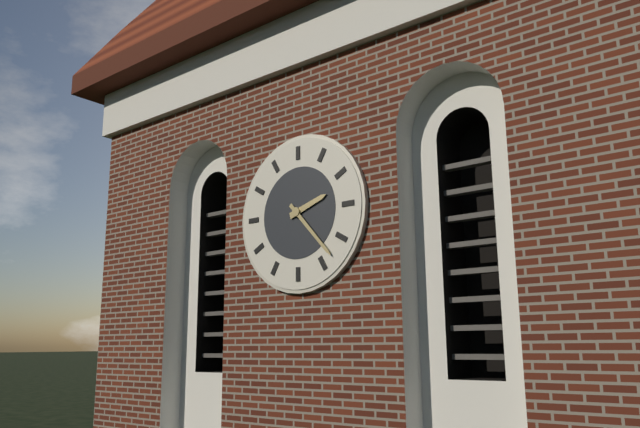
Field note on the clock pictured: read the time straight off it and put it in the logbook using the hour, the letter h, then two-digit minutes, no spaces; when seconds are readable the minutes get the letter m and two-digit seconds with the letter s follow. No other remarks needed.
2h23
